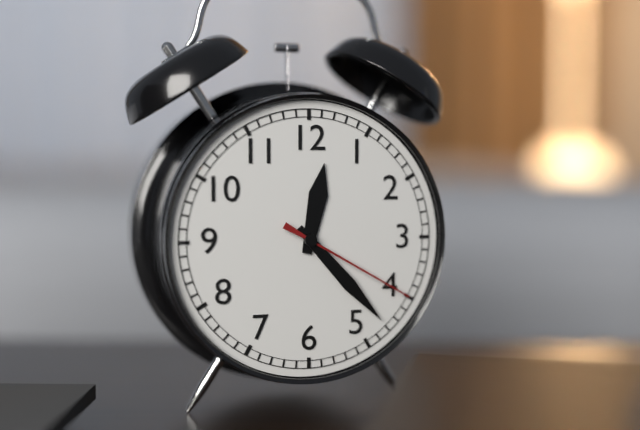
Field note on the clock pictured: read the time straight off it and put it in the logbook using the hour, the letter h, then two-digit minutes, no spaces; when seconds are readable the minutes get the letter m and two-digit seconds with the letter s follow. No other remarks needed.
12h23m20s
